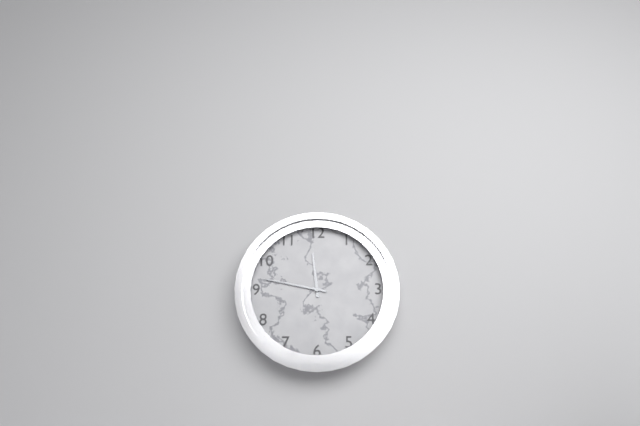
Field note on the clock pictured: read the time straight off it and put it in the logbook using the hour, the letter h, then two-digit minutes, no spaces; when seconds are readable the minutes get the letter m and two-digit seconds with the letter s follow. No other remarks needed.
11h47
